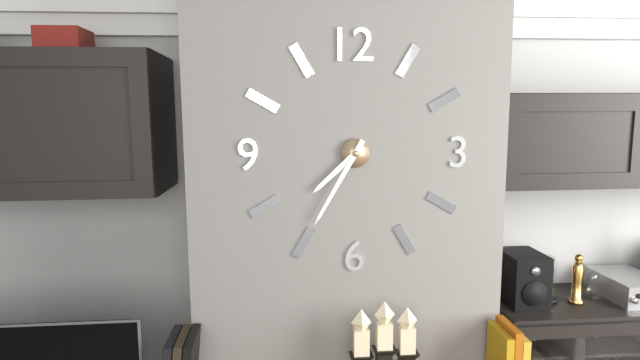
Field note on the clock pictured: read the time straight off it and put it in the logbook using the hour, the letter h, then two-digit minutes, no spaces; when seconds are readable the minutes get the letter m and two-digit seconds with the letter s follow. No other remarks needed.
7h35
